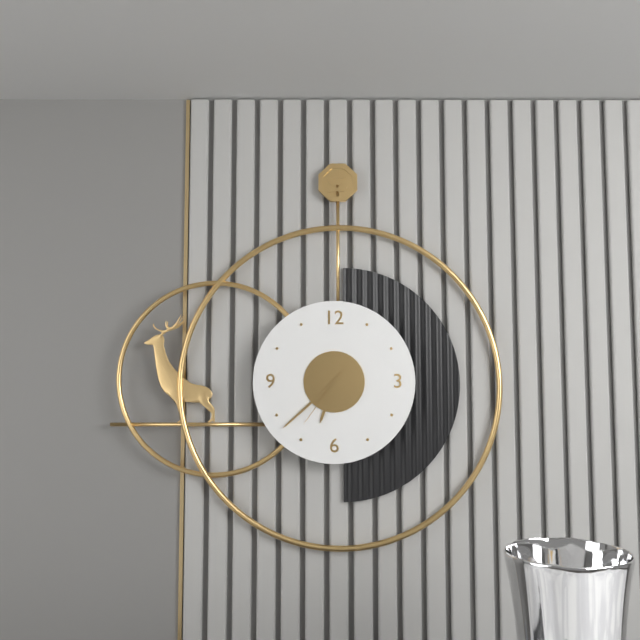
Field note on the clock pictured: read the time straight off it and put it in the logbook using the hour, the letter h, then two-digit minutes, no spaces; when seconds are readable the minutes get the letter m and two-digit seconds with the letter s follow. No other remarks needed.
6h38m36s
